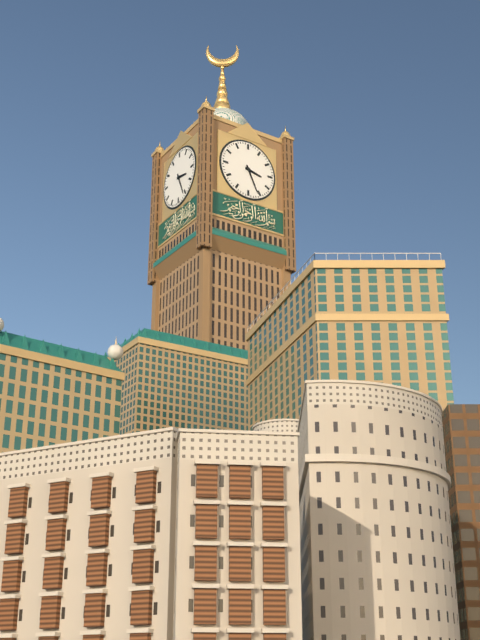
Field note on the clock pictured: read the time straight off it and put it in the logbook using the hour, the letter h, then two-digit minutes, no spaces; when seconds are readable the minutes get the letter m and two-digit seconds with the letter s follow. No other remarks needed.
3h26
